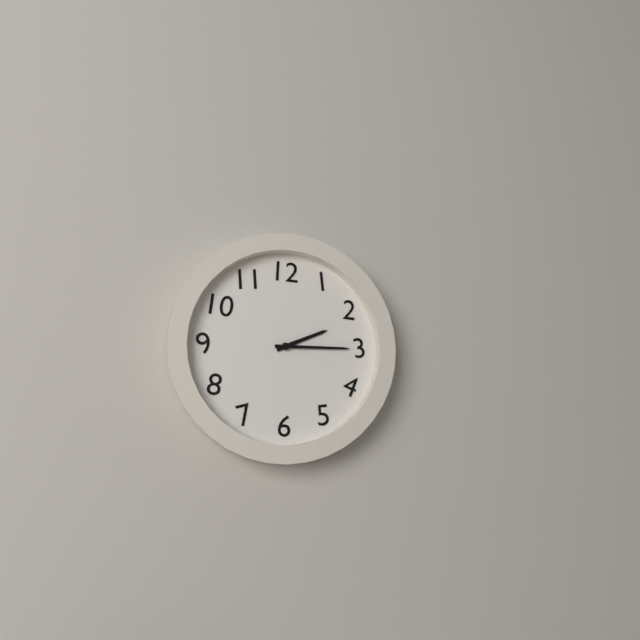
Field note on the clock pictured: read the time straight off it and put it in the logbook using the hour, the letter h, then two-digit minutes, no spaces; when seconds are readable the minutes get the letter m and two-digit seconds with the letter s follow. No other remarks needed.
2h15
